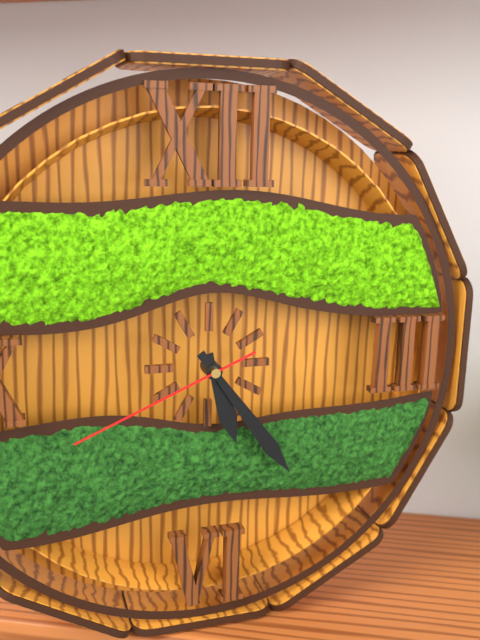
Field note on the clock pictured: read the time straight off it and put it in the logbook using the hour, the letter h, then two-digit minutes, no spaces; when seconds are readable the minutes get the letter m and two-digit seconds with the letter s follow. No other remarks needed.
5h24m41s
